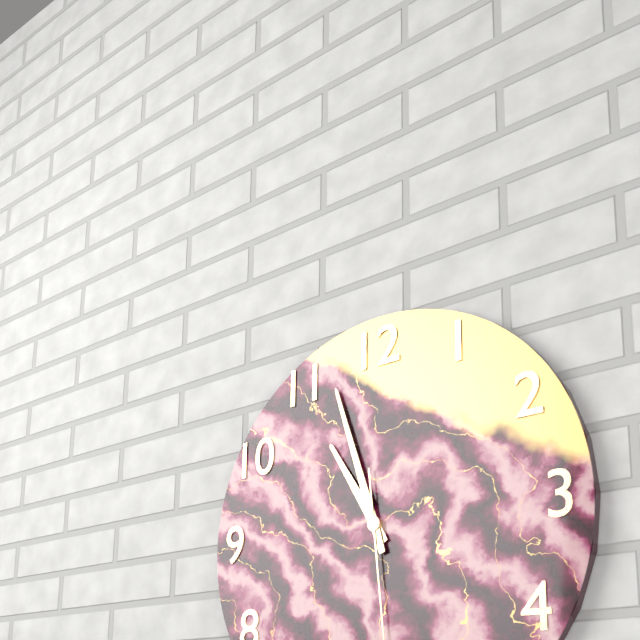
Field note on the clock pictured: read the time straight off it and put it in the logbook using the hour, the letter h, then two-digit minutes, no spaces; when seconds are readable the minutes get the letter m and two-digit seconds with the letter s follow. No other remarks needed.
10h57
